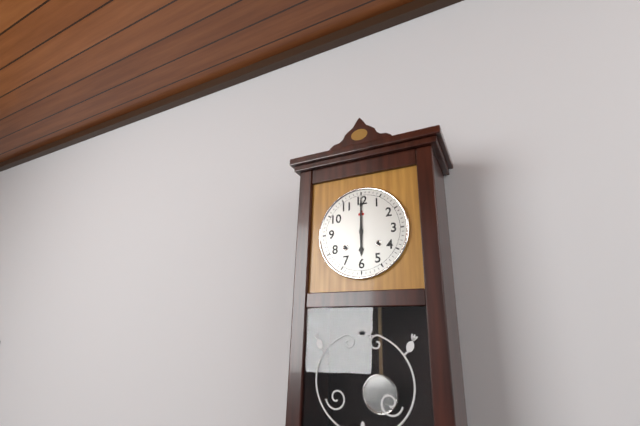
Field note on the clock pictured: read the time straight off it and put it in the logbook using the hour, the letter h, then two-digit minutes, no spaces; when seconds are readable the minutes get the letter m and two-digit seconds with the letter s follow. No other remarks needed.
6h00
